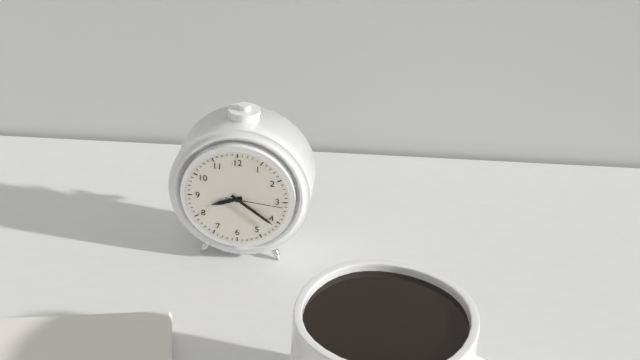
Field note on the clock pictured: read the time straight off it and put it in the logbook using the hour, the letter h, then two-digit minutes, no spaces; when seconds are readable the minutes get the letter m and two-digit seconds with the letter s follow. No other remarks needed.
8h21m16s
